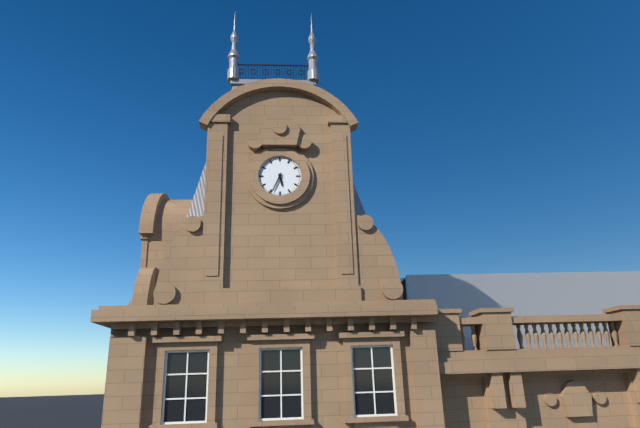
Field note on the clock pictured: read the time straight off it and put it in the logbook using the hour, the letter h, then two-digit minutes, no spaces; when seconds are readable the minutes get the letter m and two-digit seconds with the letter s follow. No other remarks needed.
5h34
